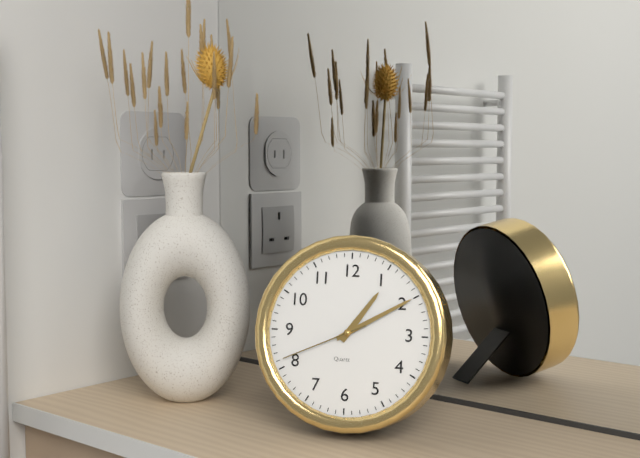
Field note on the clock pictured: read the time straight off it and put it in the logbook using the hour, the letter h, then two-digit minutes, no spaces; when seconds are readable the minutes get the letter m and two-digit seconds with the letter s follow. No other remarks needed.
1h10m41s
